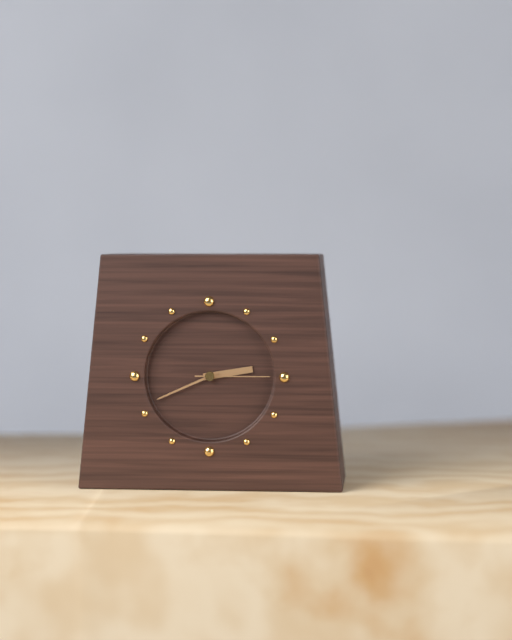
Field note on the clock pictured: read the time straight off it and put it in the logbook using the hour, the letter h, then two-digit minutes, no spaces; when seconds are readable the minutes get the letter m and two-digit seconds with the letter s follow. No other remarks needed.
2h41m15s
